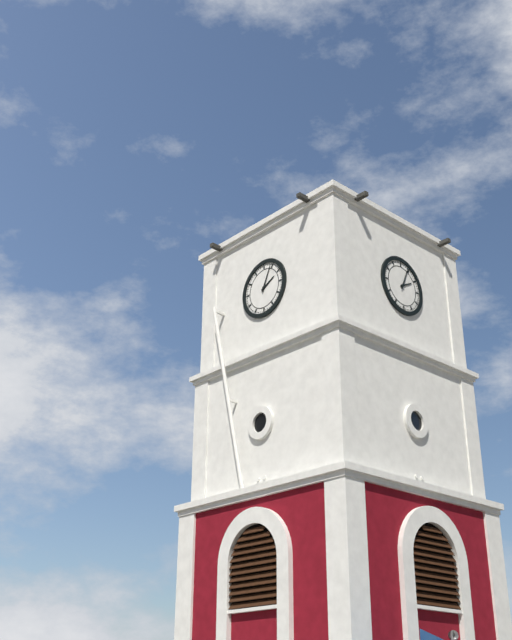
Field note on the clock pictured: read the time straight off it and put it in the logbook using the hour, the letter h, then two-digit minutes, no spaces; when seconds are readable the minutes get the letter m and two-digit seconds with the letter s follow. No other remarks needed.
2h04
